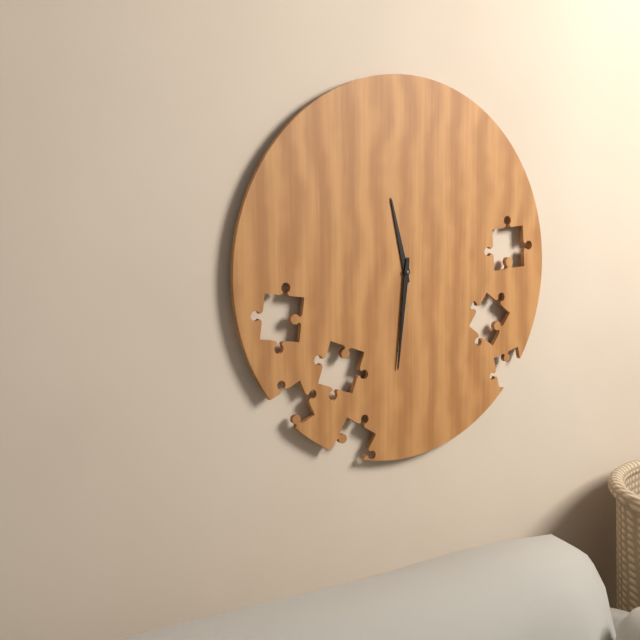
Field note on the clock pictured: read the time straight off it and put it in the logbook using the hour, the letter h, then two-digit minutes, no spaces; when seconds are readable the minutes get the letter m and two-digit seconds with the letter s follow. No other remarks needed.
11h31
